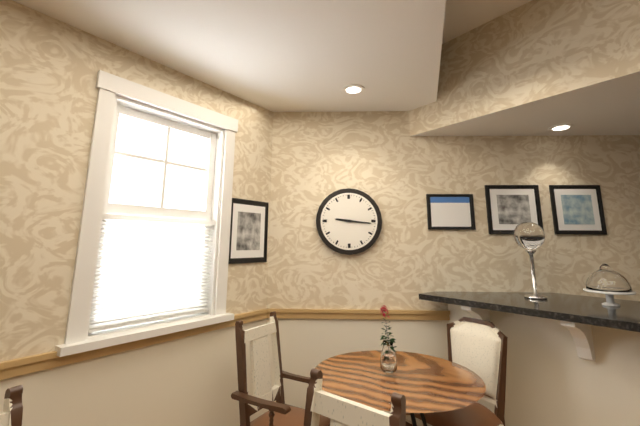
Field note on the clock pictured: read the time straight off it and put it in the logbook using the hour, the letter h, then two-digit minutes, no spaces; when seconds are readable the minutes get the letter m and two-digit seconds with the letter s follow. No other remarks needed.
9h16
